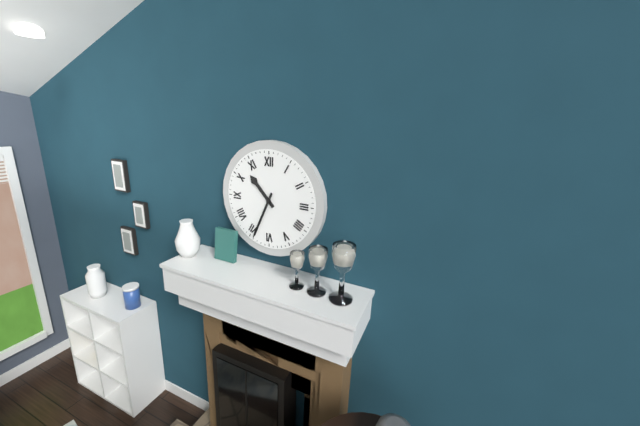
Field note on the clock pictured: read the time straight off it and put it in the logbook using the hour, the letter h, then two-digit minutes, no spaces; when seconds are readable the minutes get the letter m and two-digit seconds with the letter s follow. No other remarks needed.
10h34
